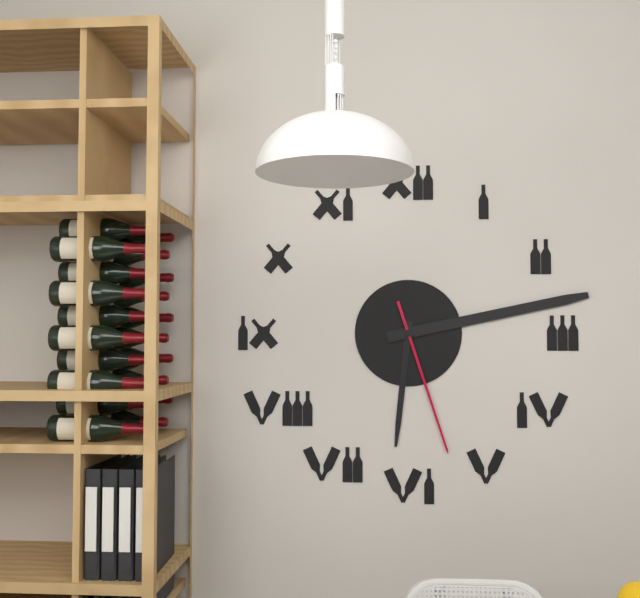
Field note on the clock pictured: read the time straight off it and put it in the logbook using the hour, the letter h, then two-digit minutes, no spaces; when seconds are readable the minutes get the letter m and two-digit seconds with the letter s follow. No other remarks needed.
6h13m27s
